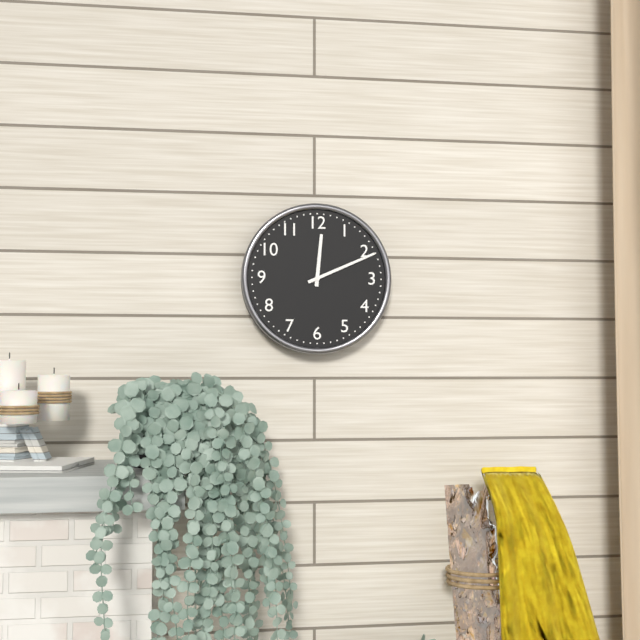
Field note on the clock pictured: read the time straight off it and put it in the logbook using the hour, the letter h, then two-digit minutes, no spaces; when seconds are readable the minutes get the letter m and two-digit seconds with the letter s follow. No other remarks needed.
12h11
